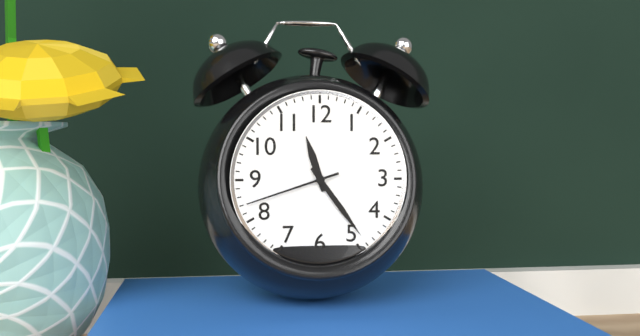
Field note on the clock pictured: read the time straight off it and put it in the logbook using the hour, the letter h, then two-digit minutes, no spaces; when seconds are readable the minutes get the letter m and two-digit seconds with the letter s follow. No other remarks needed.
11h24m42s
